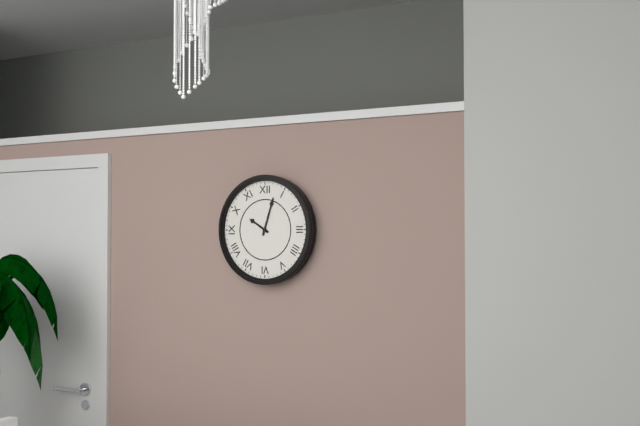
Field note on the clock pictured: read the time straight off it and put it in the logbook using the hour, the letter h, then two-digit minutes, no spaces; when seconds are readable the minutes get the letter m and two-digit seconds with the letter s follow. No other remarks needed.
10h03
